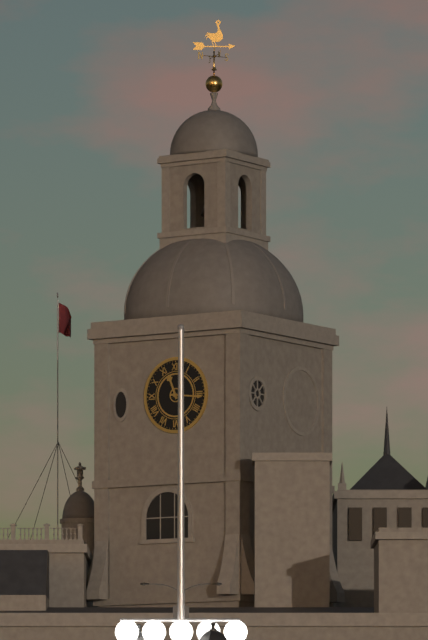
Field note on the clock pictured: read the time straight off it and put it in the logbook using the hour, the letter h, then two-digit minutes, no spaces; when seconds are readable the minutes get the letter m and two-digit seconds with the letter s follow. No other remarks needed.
11h16
